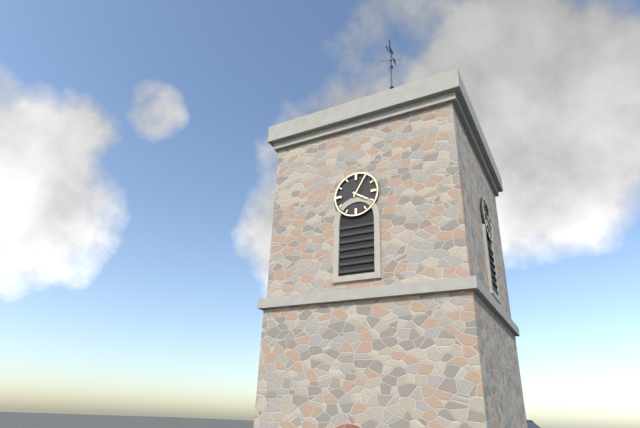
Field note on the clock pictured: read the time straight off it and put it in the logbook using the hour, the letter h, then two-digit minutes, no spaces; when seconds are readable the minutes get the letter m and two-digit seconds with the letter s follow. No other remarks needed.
4h05
